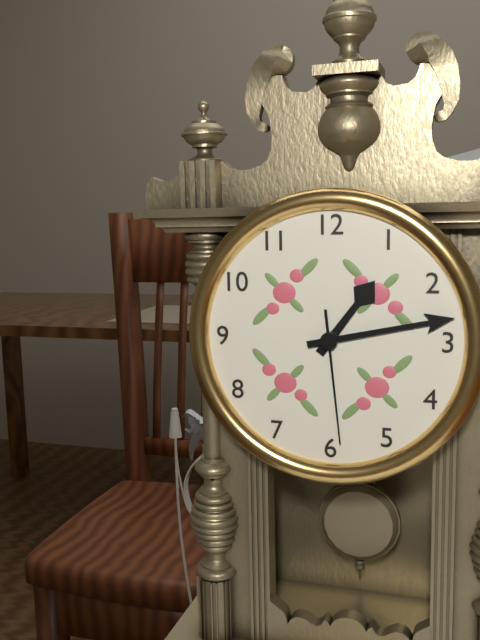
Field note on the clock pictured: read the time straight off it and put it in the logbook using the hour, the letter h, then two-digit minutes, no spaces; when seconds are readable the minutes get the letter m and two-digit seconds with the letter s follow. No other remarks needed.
1h13m29s
